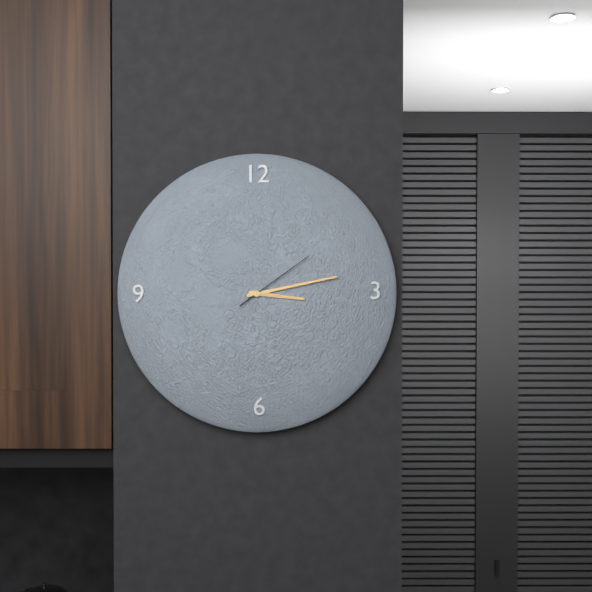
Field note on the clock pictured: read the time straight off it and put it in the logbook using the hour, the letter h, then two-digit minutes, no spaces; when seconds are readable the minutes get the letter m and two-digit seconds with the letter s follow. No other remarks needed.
3h13m09s
